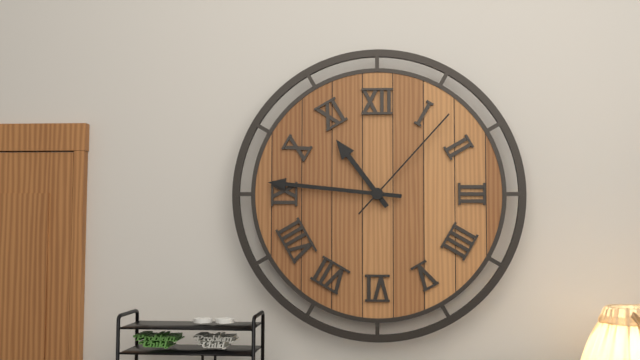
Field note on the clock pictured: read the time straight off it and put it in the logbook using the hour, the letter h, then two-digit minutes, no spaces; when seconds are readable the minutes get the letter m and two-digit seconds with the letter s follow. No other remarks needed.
10h46m07s
